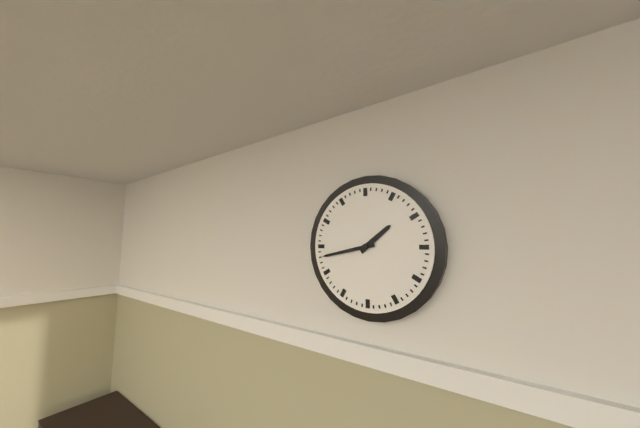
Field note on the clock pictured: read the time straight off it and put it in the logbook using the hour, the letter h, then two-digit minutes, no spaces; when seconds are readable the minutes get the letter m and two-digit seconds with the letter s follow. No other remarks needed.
1h43
